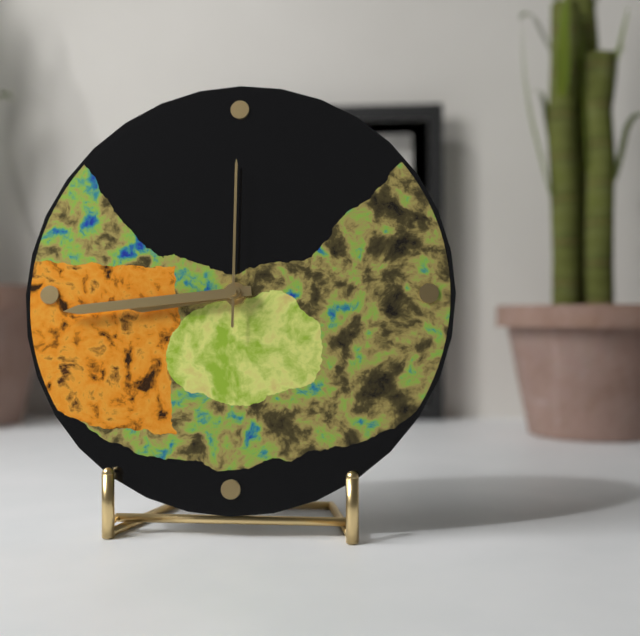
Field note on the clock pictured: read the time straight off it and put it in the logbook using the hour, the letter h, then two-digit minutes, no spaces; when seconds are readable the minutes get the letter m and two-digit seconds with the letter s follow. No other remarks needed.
8h44m00s
